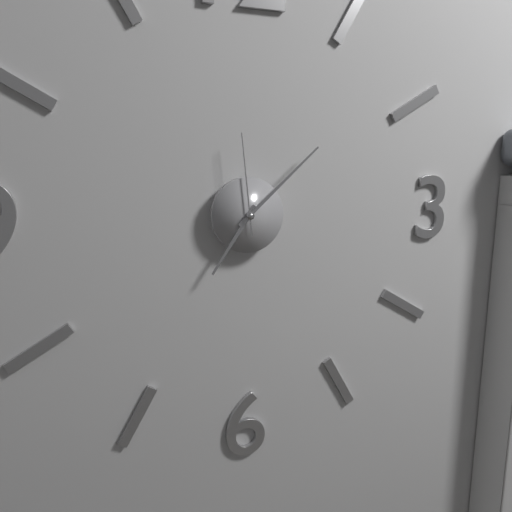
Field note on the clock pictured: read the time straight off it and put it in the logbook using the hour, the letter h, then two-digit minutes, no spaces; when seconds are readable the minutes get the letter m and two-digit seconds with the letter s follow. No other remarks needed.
7h08m59s
